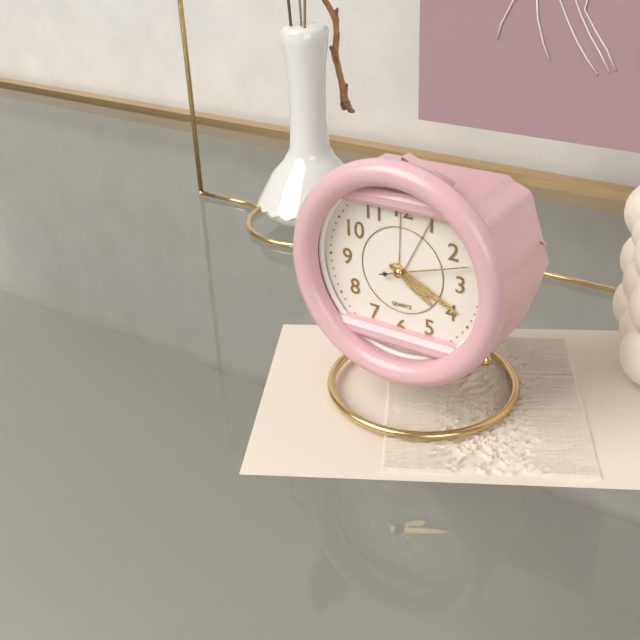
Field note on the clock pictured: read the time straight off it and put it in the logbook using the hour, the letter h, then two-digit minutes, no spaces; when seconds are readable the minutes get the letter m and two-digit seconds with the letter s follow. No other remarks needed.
4h19m12s
